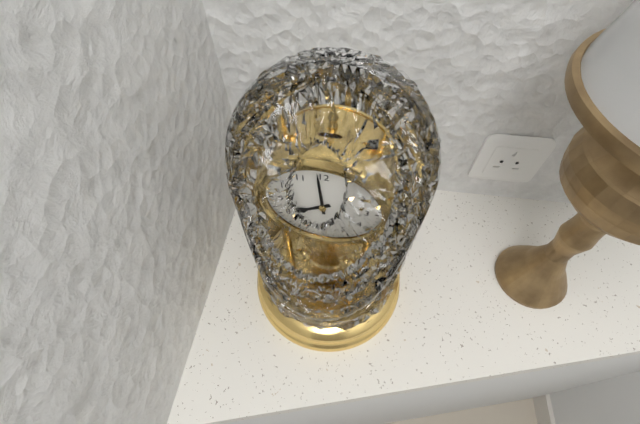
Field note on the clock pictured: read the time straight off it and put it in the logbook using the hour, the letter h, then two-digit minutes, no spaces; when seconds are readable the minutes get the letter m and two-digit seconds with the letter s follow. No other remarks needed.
7h59
